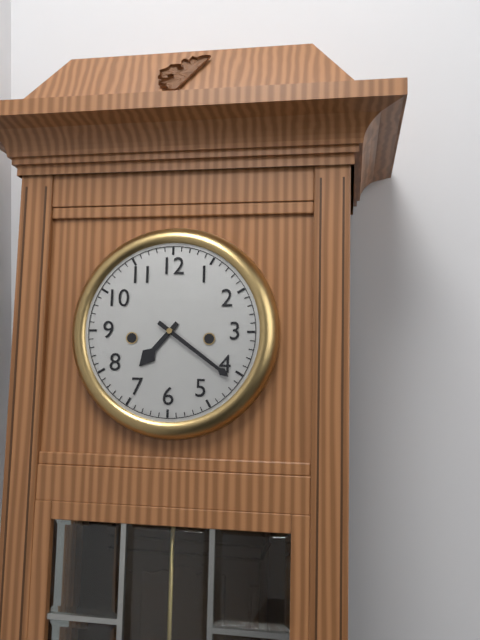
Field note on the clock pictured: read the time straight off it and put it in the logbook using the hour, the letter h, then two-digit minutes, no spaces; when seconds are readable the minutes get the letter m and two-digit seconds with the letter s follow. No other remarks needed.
7h21
